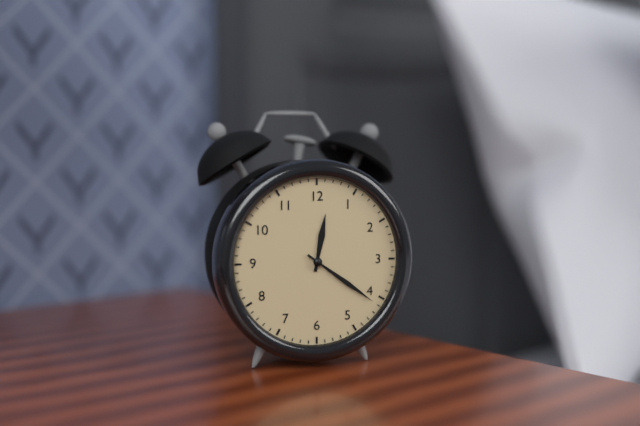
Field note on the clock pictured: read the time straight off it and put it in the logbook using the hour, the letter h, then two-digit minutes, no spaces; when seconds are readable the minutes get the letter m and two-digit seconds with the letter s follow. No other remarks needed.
12h21
